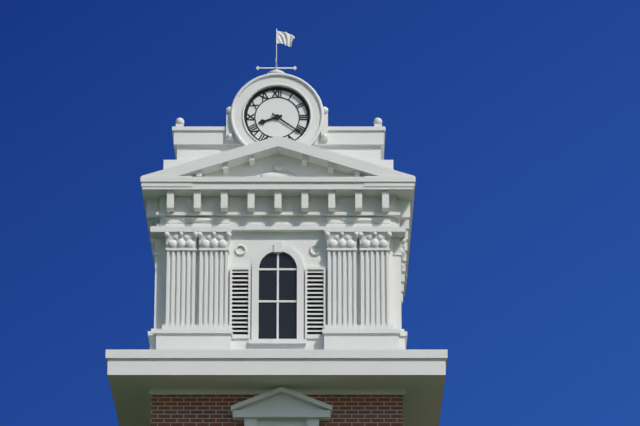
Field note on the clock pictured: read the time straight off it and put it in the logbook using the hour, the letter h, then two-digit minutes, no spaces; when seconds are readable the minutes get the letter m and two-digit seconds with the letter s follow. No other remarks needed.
8h21
